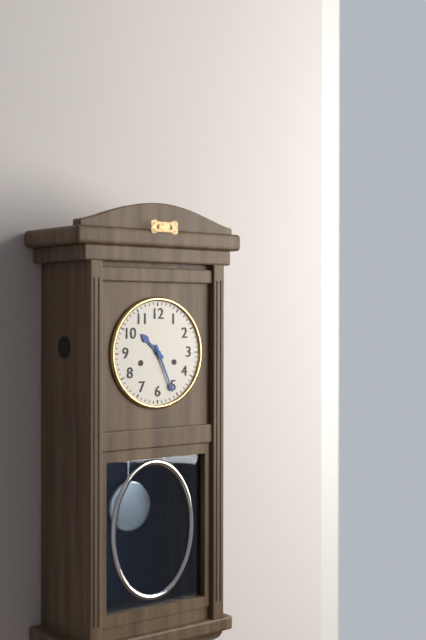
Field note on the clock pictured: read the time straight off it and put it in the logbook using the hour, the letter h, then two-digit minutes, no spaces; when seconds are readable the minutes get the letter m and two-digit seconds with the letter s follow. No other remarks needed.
10h26
